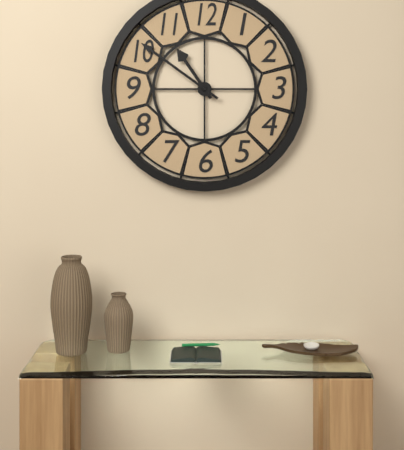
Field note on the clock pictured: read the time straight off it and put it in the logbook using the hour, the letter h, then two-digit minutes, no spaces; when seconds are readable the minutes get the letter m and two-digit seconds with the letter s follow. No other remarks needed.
10h51
